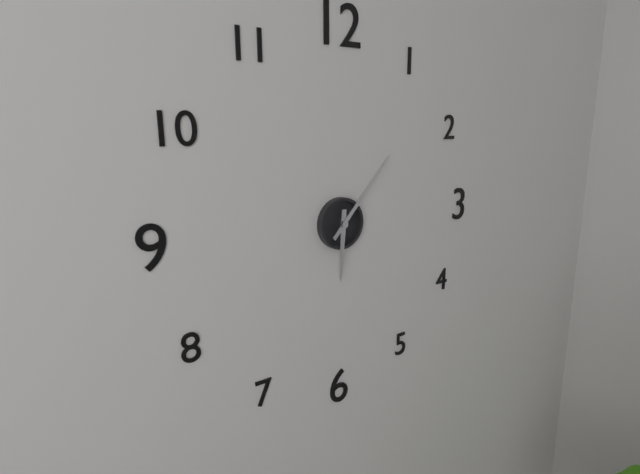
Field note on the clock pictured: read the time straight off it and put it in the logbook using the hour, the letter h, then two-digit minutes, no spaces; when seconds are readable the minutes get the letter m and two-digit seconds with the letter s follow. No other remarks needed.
6h07
